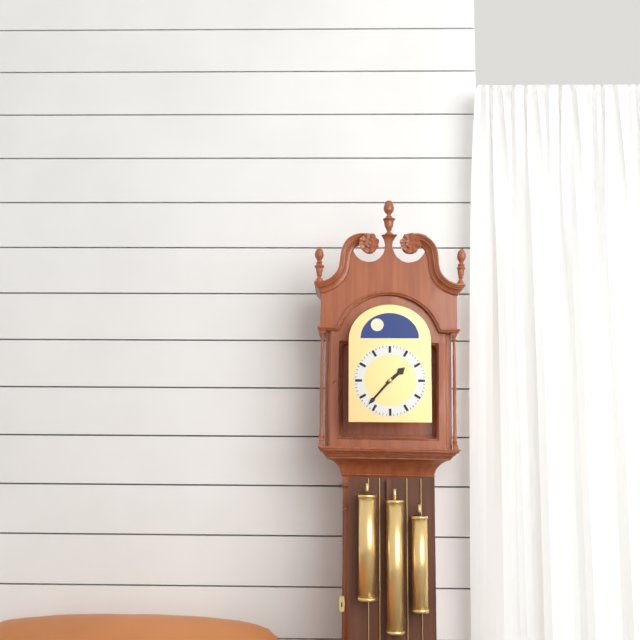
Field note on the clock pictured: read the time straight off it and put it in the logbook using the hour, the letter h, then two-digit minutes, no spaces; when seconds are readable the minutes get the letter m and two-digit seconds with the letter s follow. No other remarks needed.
1h37
